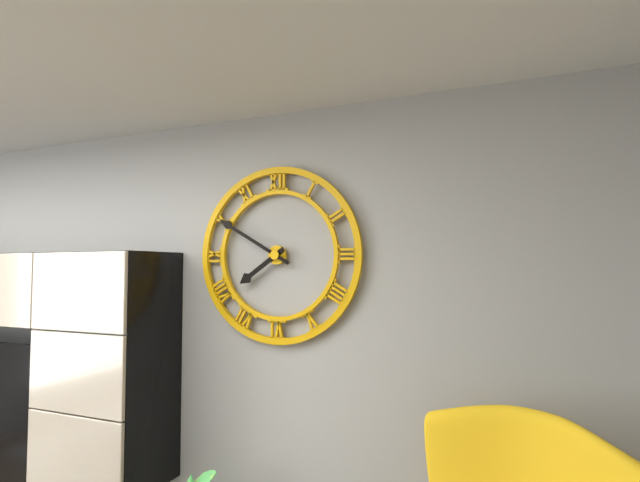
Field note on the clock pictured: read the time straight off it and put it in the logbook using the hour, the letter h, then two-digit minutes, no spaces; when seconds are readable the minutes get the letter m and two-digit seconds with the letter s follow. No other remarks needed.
7h50
